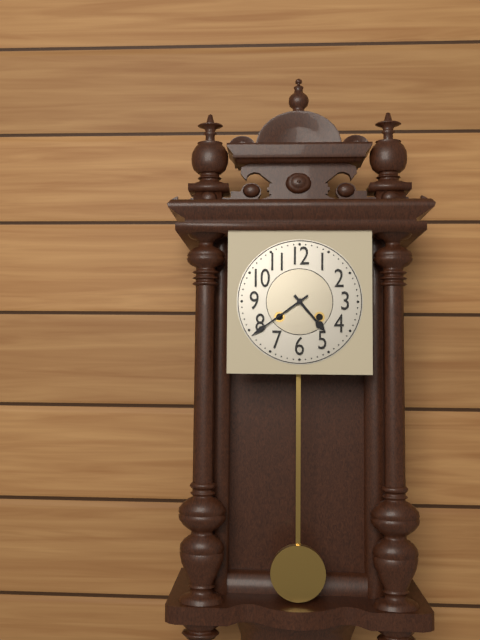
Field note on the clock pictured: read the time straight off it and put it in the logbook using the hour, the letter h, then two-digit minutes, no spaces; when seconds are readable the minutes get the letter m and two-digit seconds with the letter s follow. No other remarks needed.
4h39
